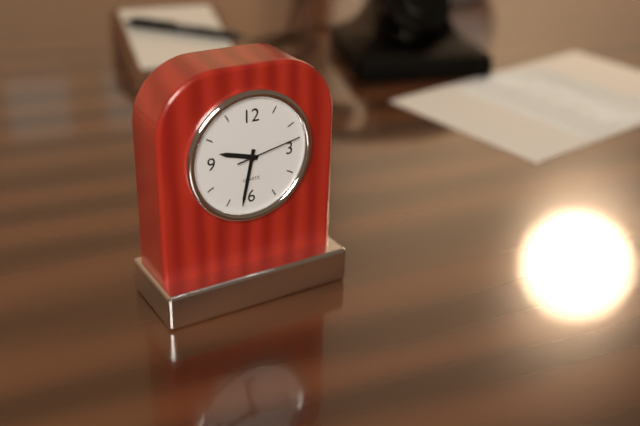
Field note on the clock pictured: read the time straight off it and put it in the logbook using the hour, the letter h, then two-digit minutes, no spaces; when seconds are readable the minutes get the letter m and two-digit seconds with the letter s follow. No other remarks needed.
9h32m13s
